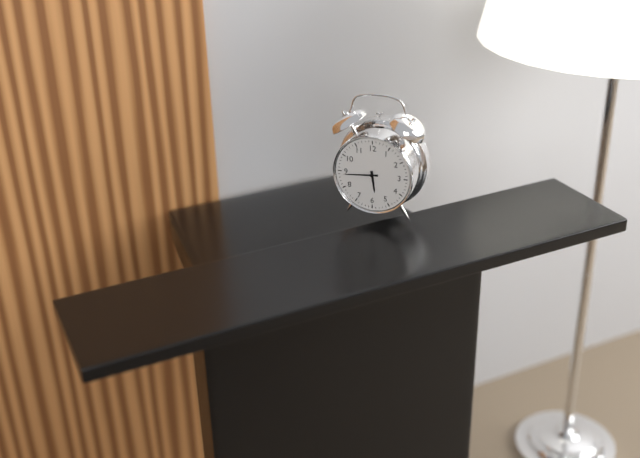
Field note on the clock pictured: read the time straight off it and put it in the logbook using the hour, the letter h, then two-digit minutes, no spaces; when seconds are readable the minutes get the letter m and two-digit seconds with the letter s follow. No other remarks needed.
5h44
